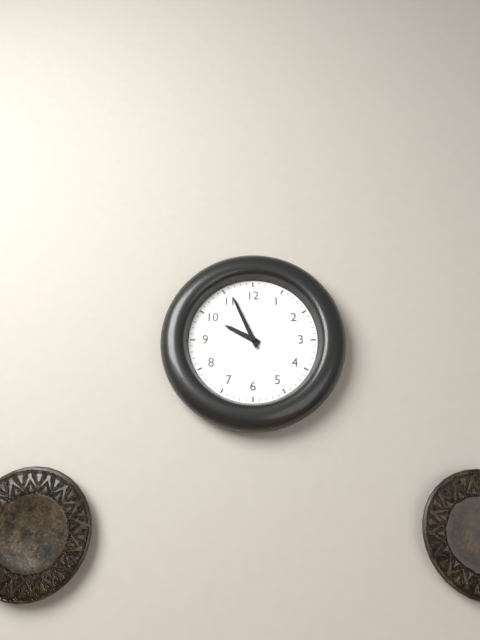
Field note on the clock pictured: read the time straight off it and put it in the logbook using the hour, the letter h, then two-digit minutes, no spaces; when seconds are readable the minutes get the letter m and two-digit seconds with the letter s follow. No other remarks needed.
9h56
